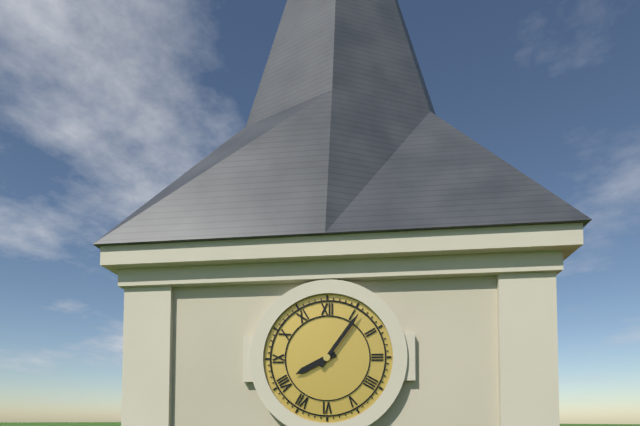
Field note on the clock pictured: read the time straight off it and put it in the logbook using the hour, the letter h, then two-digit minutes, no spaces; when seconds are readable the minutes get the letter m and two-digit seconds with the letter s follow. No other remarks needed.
8h06
